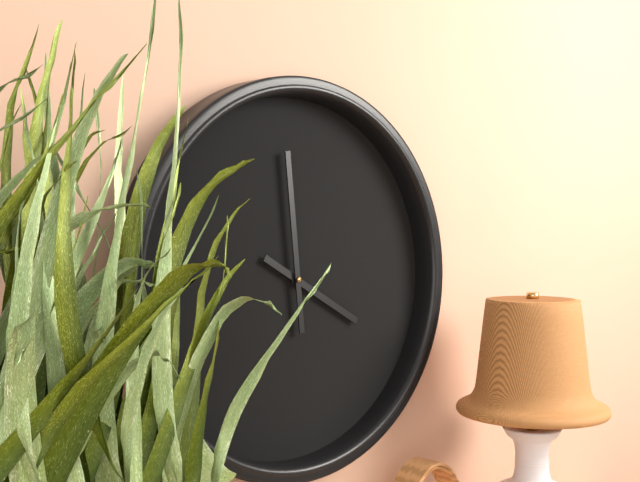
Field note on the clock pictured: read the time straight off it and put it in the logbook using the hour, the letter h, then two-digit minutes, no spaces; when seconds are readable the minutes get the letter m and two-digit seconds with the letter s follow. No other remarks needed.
3h59
